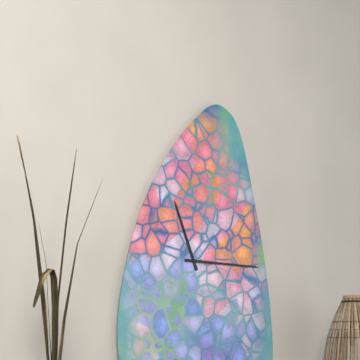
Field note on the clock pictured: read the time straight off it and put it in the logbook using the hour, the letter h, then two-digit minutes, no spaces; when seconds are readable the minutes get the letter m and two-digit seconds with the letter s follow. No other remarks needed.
11h15
